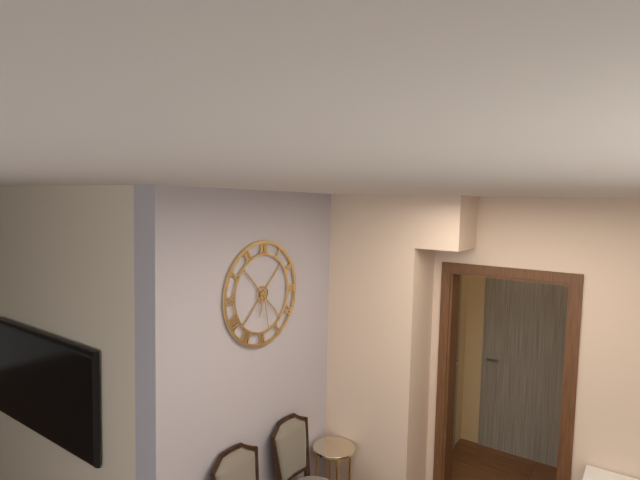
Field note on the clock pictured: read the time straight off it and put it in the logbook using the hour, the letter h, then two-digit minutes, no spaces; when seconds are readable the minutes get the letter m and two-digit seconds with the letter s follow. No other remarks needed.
6h28
